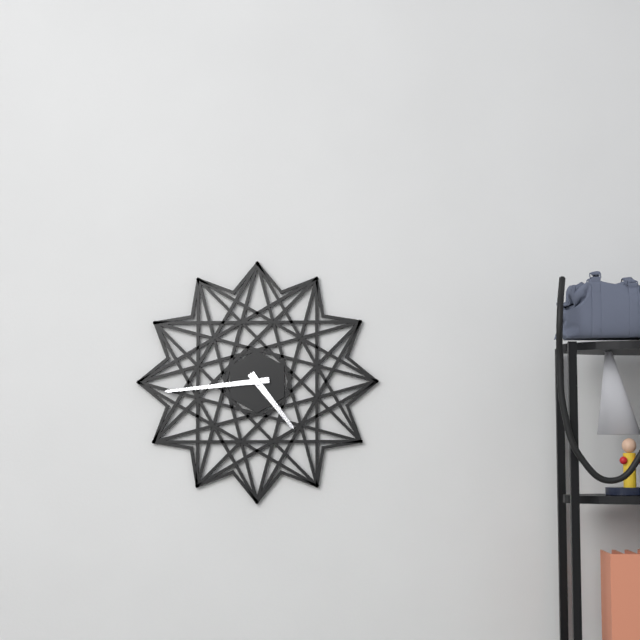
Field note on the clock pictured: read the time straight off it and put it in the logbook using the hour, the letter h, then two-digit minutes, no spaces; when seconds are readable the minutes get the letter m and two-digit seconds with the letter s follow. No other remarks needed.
4h44
